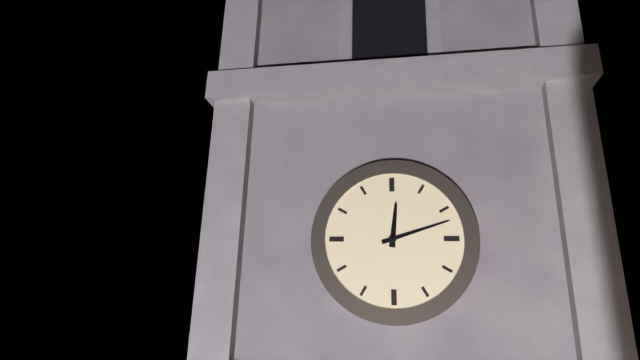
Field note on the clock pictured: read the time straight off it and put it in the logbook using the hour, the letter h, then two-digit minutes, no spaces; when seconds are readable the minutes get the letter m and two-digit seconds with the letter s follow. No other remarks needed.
12h12
